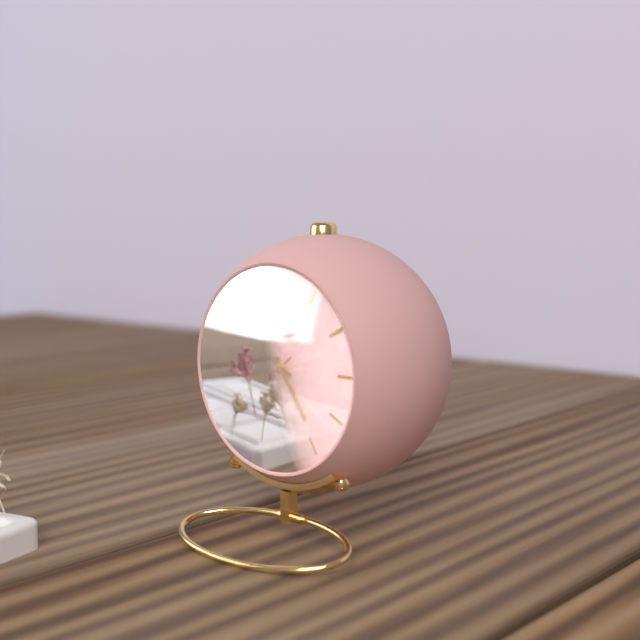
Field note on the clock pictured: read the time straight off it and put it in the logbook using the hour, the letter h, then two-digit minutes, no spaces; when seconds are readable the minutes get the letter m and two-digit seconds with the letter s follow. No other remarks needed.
4h49m39s
